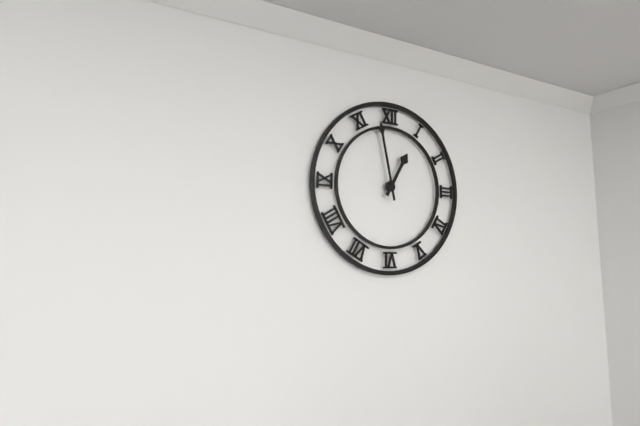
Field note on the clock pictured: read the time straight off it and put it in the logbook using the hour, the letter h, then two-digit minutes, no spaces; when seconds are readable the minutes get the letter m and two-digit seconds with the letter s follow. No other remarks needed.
12h58
